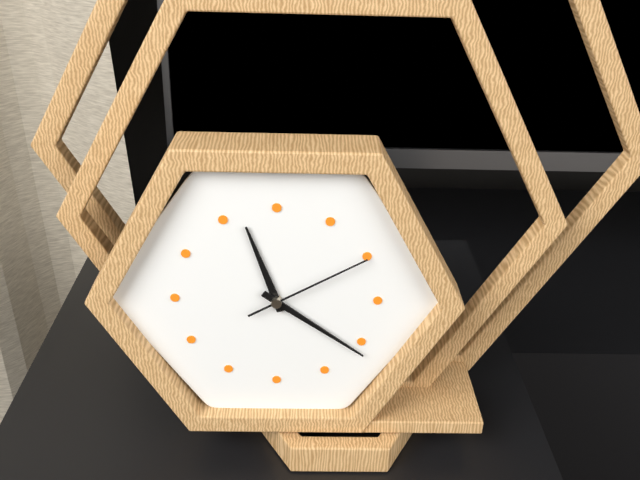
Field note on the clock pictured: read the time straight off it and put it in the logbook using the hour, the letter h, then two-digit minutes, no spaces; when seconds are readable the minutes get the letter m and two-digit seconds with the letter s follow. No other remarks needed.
11h21m10s
